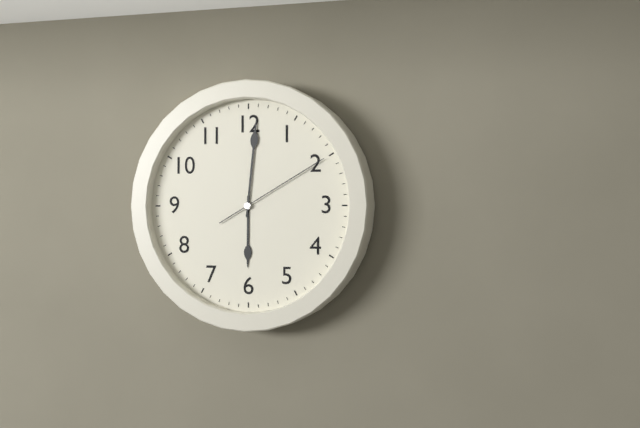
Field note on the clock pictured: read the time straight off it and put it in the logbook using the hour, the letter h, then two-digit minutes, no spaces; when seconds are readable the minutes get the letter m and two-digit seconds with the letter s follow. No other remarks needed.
6h01m10s
